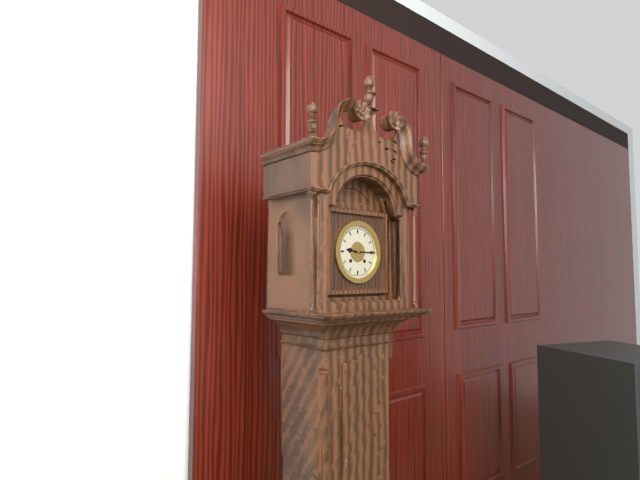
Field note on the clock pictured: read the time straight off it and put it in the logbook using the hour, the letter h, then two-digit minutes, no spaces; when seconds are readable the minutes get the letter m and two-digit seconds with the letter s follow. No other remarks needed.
9h15
